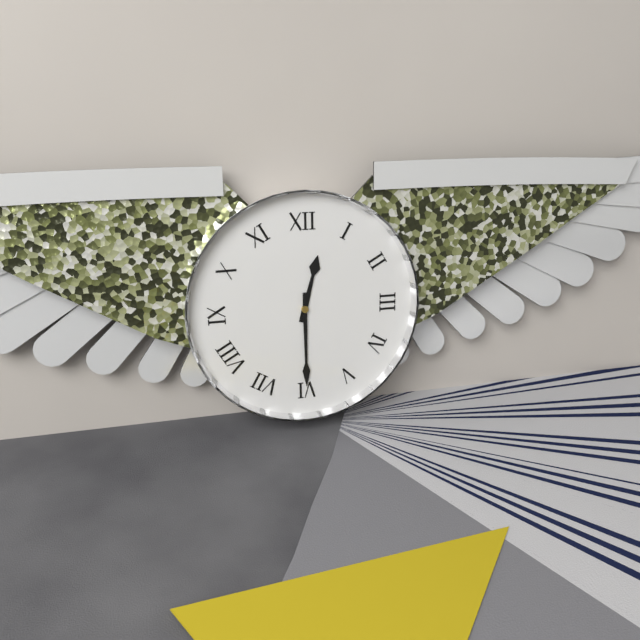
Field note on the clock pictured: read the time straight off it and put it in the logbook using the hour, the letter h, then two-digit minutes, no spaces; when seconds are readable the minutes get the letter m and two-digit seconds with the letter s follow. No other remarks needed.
12h30
